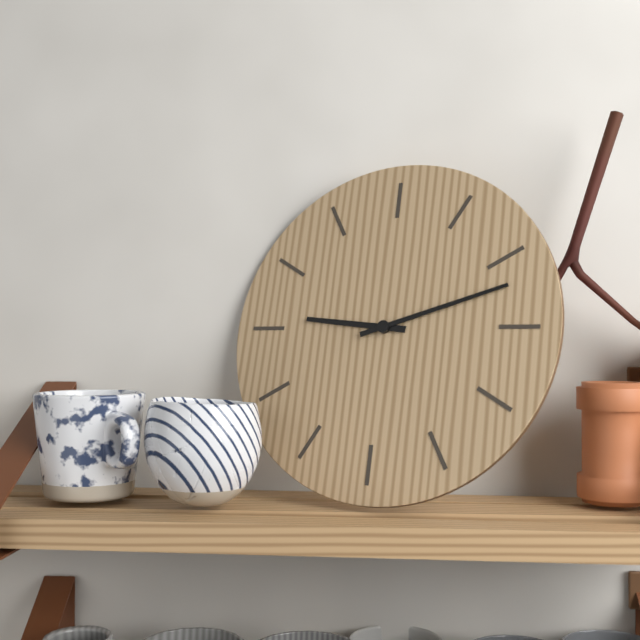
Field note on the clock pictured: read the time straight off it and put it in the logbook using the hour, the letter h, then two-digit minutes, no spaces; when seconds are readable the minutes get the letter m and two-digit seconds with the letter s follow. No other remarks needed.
9h12
